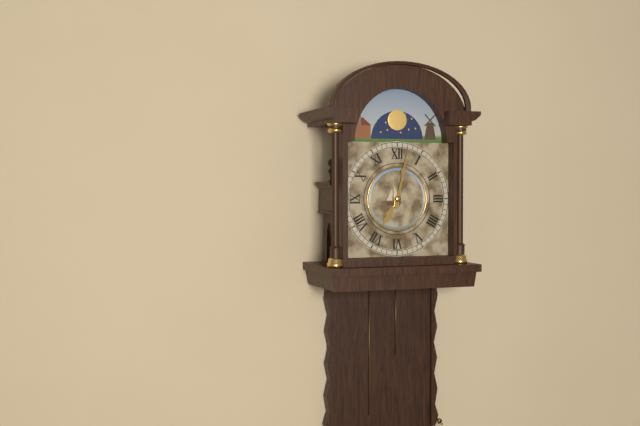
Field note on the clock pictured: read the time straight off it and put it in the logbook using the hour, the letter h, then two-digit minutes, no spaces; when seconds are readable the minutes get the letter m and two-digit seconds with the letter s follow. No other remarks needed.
7h02
